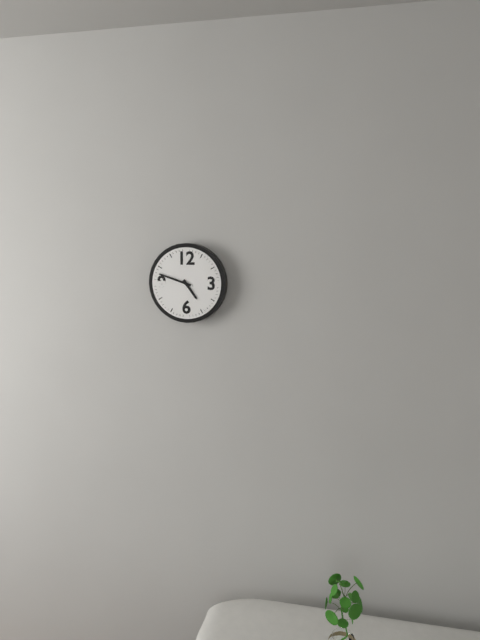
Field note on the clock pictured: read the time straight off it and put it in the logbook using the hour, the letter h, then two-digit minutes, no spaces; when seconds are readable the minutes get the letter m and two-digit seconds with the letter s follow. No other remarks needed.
4h48
